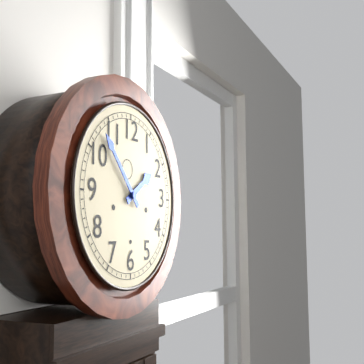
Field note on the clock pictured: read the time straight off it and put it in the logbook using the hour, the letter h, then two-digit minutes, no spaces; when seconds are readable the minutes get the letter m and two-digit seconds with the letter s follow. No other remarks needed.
1h53
